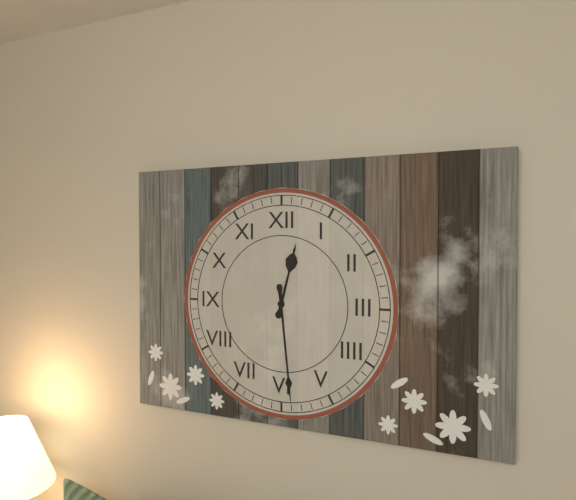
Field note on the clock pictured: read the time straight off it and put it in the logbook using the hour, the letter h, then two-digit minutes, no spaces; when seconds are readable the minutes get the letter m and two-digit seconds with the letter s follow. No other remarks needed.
12h29
